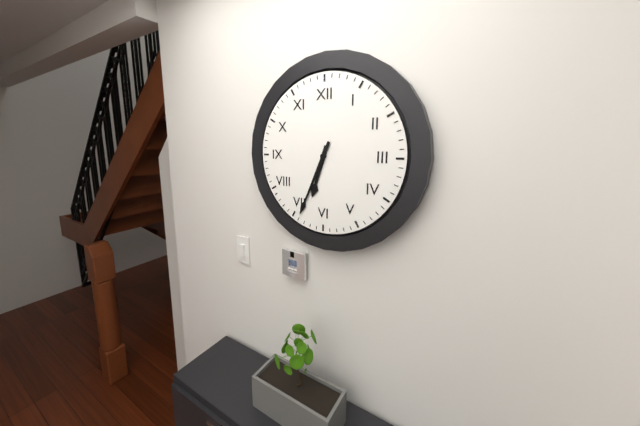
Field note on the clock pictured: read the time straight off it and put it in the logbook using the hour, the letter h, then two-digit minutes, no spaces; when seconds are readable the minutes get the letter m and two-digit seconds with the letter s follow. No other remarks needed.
6h34
